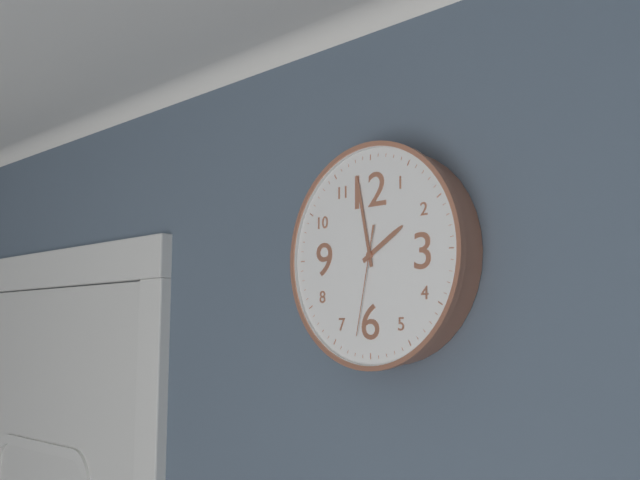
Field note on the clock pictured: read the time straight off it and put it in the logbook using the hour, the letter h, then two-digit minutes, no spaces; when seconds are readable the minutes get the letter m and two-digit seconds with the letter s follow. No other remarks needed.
1h58m32s
